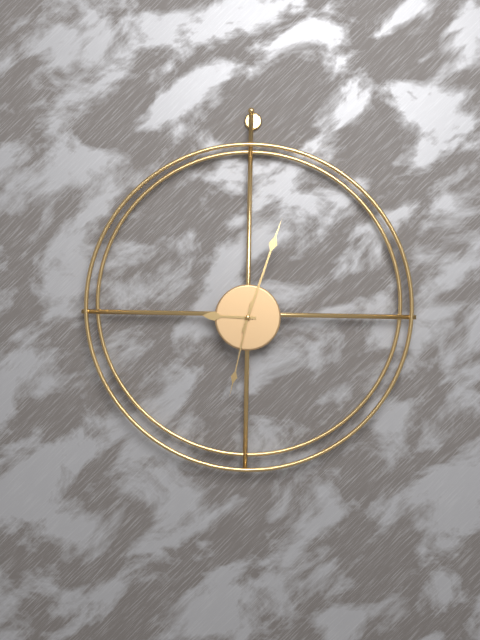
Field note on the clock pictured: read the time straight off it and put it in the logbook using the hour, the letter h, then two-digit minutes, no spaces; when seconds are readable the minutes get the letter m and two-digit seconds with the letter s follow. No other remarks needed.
9h03m32s
